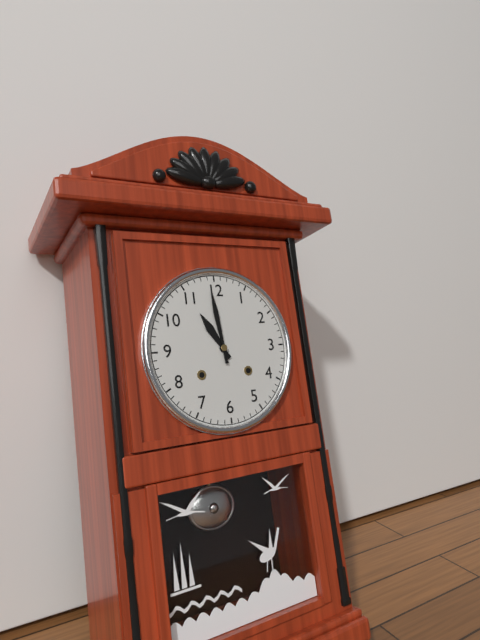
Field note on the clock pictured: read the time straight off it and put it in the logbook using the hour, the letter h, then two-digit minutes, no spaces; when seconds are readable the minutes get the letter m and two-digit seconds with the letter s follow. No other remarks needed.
10h59
